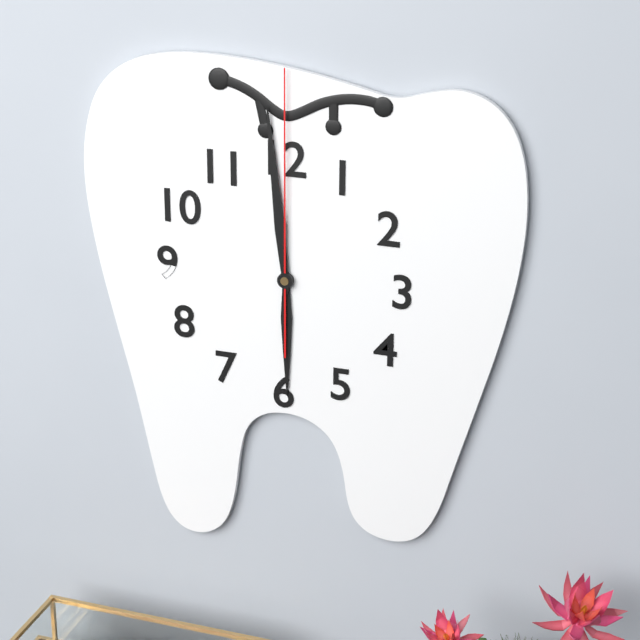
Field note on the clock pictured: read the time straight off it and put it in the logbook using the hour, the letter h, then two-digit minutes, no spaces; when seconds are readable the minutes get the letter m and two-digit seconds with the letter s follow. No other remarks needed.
5h59m00s
